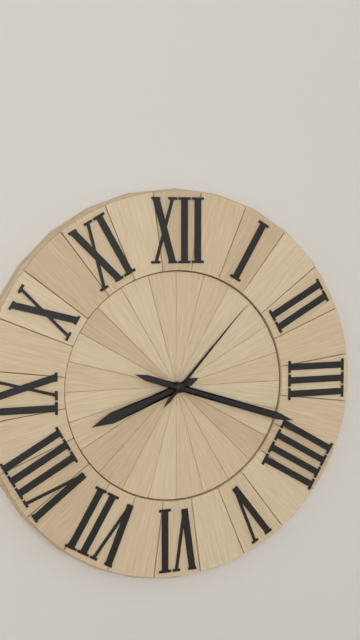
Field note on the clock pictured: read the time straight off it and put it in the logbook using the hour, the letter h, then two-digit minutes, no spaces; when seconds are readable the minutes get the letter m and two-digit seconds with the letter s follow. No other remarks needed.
8h18m07s
